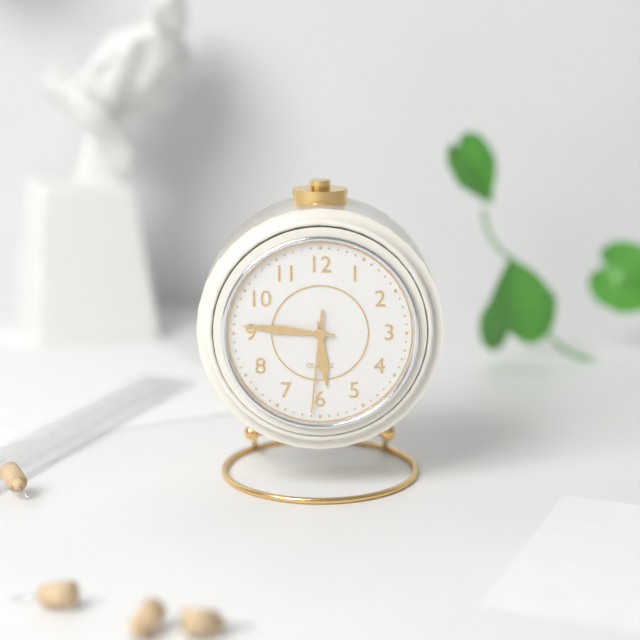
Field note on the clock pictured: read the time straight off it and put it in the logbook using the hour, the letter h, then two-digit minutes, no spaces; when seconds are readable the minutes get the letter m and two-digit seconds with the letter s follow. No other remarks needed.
5h46m31s
